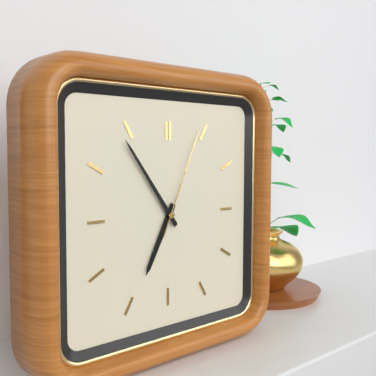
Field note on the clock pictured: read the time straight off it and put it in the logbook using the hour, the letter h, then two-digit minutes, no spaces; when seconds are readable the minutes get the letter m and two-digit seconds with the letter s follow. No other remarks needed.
6h54m04s
